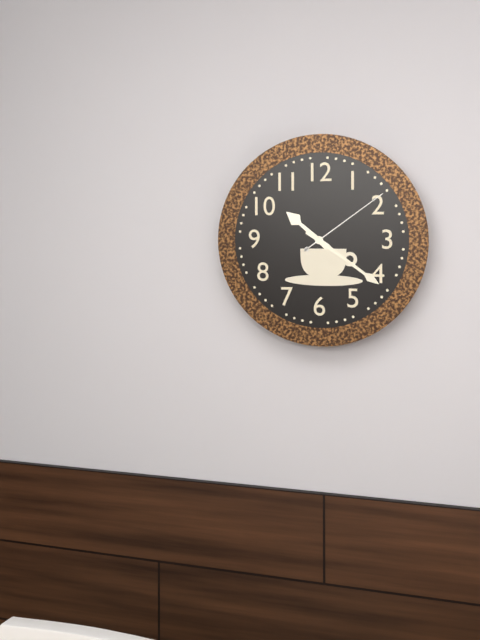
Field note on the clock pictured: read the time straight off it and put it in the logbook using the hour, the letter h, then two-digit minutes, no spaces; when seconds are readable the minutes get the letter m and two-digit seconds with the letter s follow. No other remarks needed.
10h21m09s
